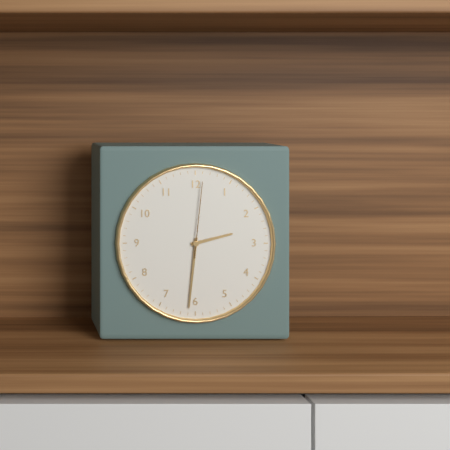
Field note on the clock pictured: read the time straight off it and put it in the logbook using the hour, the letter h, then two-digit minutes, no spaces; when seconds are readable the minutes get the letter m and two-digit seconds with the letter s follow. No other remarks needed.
2h31m01s
